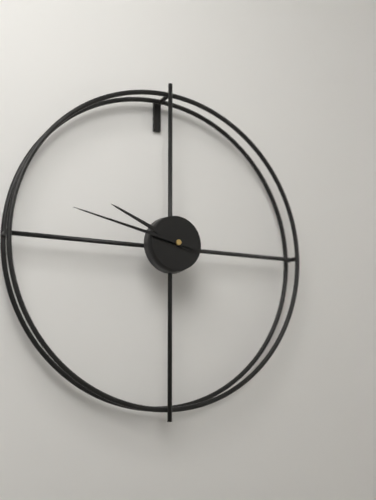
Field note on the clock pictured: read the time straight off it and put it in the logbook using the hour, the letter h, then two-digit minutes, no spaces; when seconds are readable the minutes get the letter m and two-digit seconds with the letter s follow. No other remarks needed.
9h47
